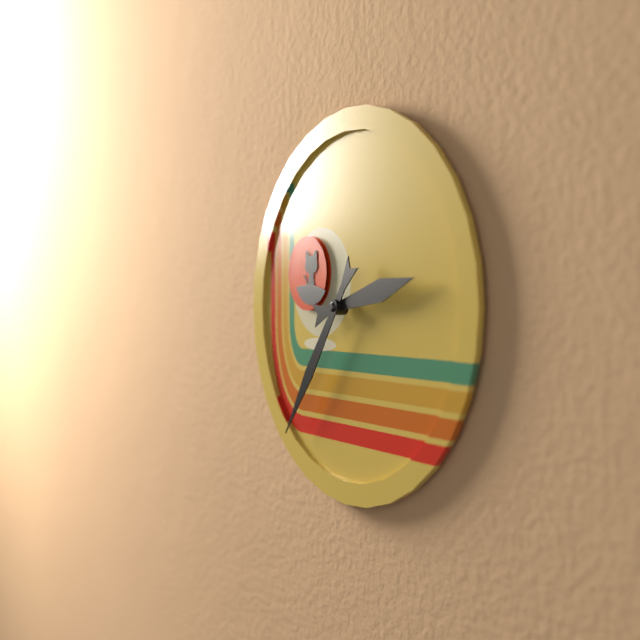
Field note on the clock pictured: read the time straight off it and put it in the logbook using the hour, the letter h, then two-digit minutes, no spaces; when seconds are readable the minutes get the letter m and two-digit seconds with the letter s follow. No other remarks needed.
2h36
